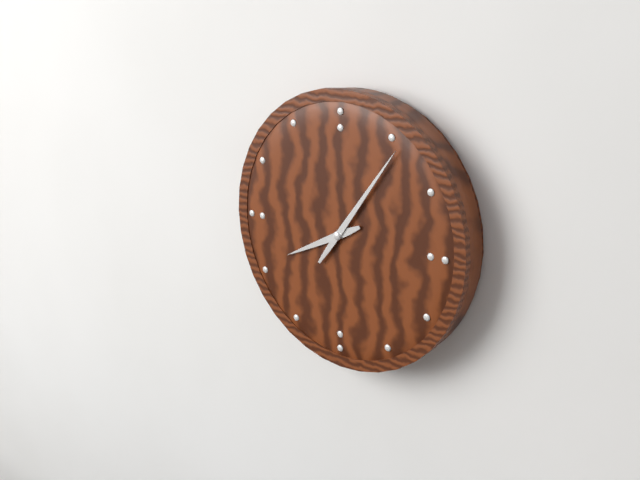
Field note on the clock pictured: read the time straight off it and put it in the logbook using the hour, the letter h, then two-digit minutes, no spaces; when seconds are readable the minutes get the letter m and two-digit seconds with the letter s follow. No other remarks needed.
8h06
